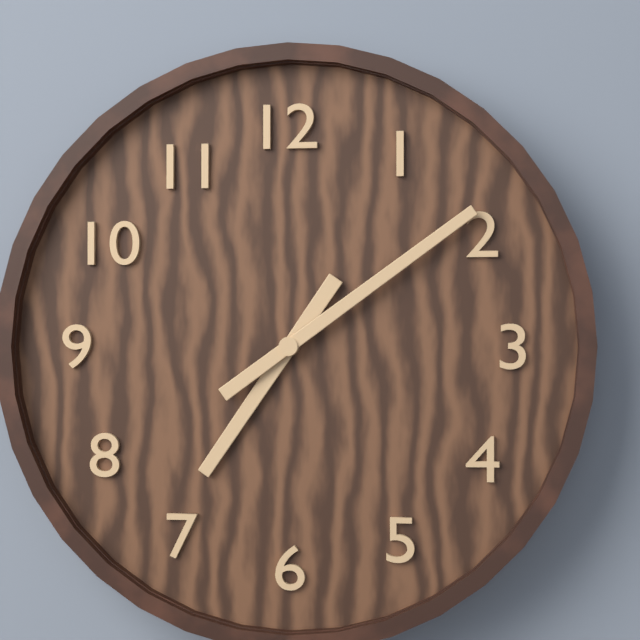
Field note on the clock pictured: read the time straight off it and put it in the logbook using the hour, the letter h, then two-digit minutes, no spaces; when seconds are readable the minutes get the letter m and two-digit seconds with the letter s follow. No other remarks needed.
7h09
